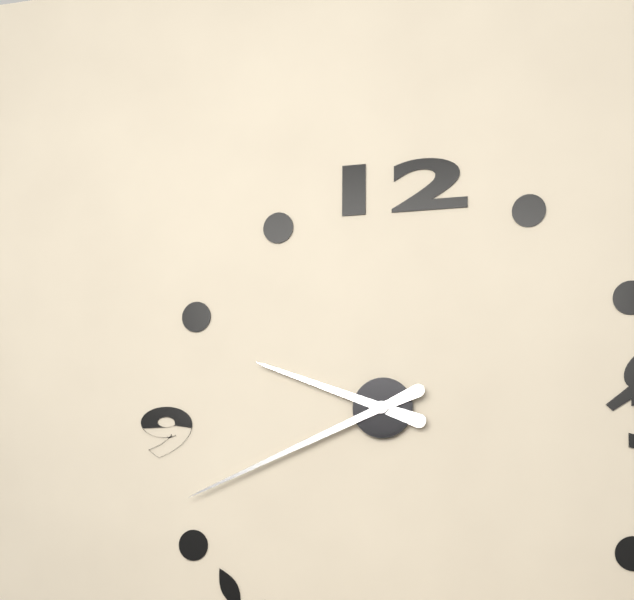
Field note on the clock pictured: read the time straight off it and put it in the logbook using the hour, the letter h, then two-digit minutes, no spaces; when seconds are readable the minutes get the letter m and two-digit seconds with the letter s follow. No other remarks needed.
9h41
